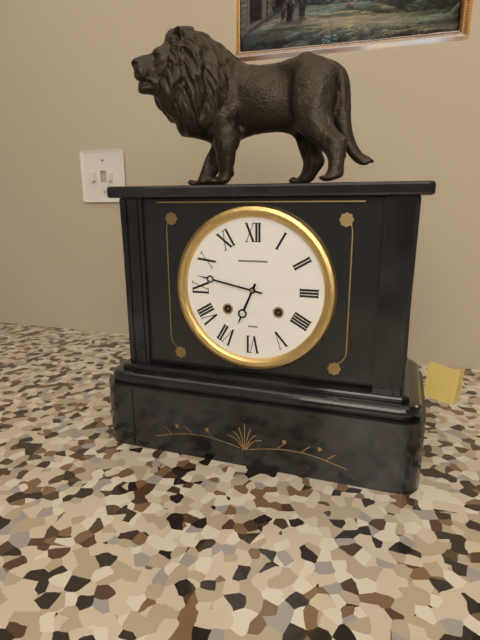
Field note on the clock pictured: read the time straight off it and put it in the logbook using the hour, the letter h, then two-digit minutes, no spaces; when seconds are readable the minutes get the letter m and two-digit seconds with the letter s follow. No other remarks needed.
6h47
